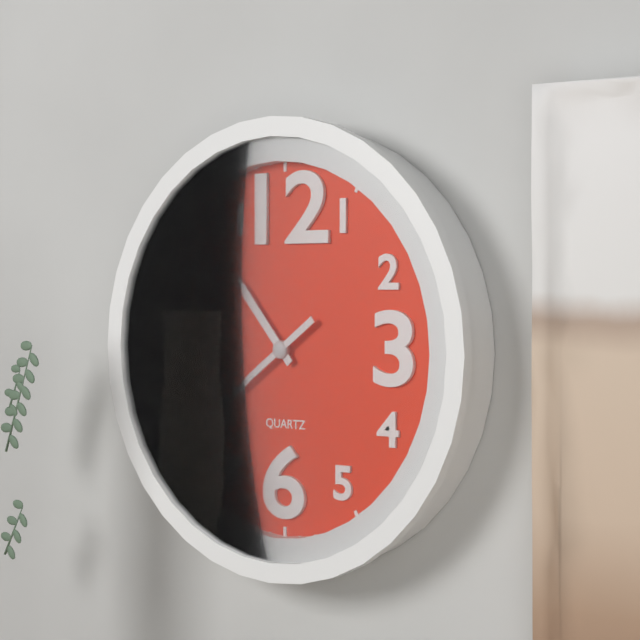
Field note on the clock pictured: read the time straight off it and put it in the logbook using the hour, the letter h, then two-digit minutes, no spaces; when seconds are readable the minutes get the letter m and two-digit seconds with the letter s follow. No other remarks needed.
10h39
